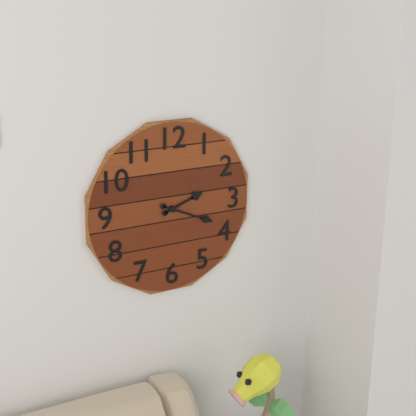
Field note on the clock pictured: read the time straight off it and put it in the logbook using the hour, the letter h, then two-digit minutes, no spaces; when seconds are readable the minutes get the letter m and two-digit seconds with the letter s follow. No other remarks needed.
2h19
